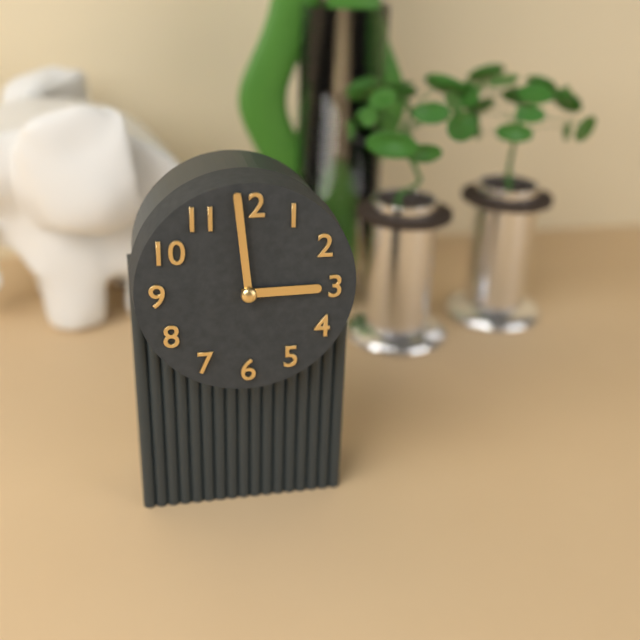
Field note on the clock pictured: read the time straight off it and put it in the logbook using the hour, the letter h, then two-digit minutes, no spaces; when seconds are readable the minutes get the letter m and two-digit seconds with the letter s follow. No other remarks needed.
2h59
